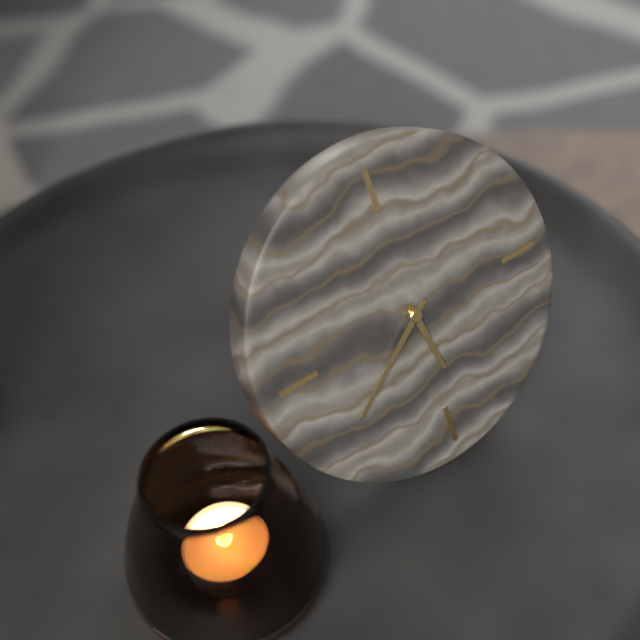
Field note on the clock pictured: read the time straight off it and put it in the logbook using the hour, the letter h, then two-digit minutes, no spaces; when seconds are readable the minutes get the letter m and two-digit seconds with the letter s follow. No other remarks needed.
5h39
